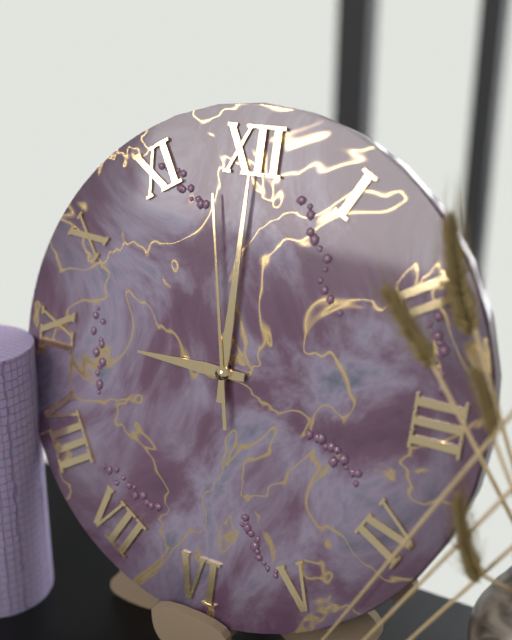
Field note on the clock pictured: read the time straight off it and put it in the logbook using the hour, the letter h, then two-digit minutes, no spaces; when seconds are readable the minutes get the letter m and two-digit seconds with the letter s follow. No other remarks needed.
9h00m58s
